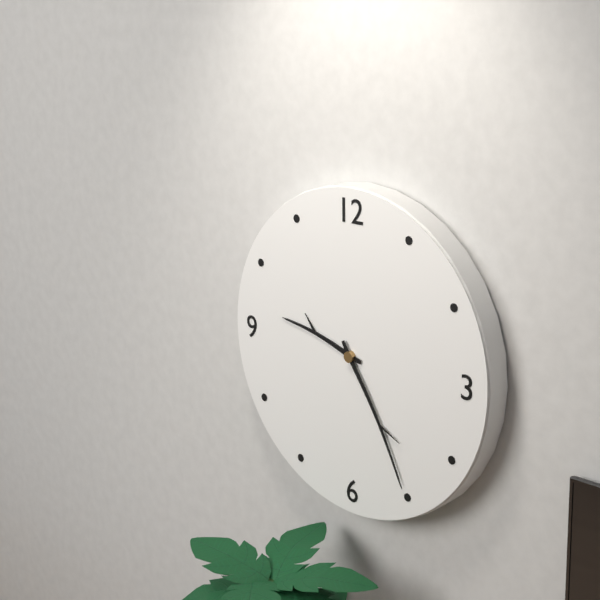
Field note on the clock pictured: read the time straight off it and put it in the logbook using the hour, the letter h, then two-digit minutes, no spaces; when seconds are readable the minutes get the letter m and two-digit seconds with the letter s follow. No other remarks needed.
9h25
